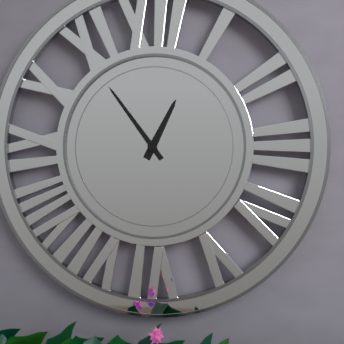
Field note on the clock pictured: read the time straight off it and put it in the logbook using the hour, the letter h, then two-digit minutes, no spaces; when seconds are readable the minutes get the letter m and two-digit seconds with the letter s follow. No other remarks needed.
12h54
